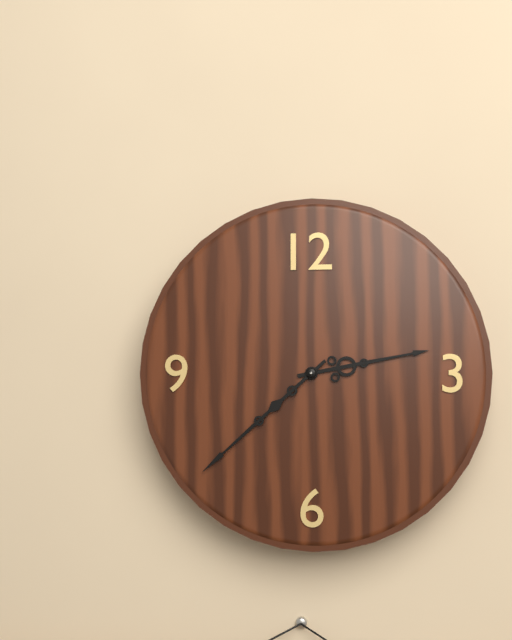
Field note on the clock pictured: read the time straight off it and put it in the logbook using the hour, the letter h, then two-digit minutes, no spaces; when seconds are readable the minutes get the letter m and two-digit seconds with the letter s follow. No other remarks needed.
2h38
